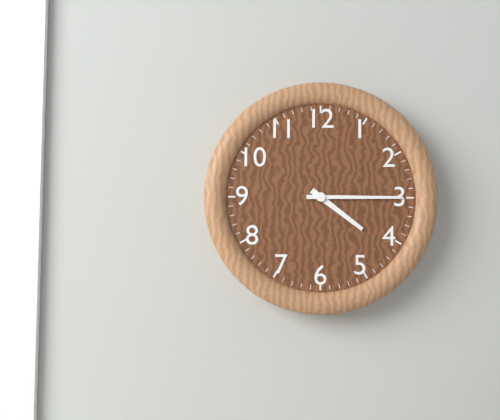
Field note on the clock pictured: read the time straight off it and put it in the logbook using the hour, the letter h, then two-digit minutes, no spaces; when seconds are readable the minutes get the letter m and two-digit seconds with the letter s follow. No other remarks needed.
4h15
